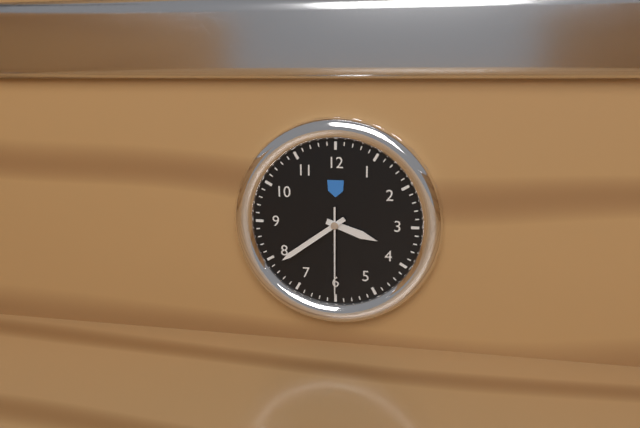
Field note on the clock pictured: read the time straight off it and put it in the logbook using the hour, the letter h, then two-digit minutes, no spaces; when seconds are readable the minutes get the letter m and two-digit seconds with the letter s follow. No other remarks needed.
3h39m30s
